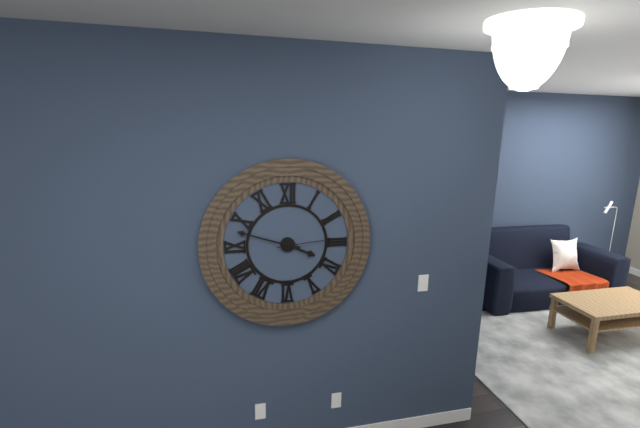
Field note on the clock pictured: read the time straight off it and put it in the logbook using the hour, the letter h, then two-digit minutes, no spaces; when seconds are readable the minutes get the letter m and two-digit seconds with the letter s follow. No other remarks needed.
3h48m14s
